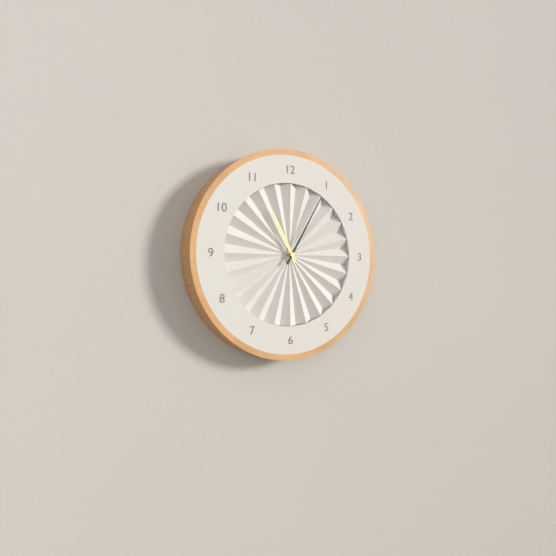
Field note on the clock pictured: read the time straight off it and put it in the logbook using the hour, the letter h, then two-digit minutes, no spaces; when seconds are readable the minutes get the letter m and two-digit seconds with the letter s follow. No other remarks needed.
11h05
